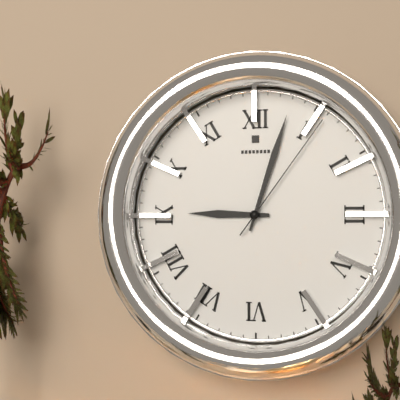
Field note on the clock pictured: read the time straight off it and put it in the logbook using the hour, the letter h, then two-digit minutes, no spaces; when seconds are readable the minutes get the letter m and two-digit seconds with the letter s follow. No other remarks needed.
9h03m06s
